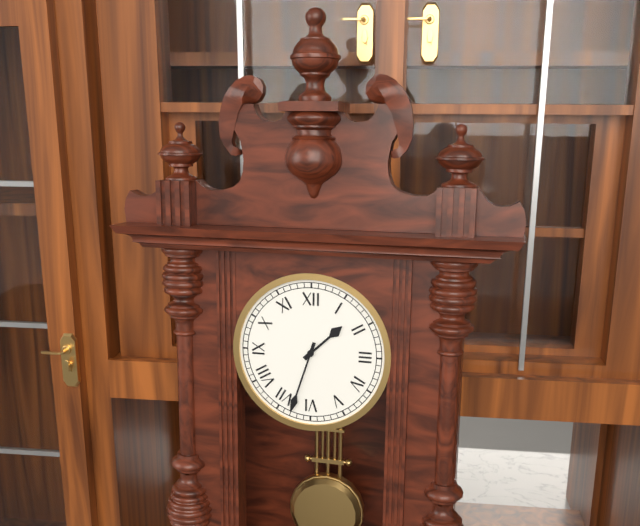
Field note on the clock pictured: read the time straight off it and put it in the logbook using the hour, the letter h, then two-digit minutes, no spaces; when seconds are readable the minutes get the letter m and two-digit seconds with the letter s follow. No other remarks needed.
1h33
